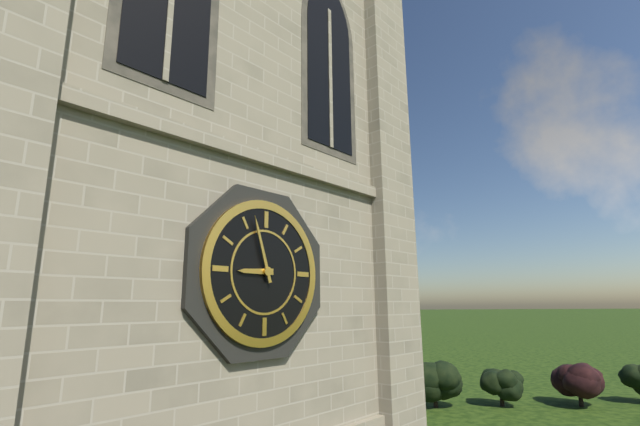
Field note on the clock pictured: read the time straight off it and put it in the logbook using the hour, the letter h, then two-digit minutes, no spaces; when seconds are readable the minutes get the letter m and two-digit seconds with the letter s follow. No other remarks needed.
8h57
